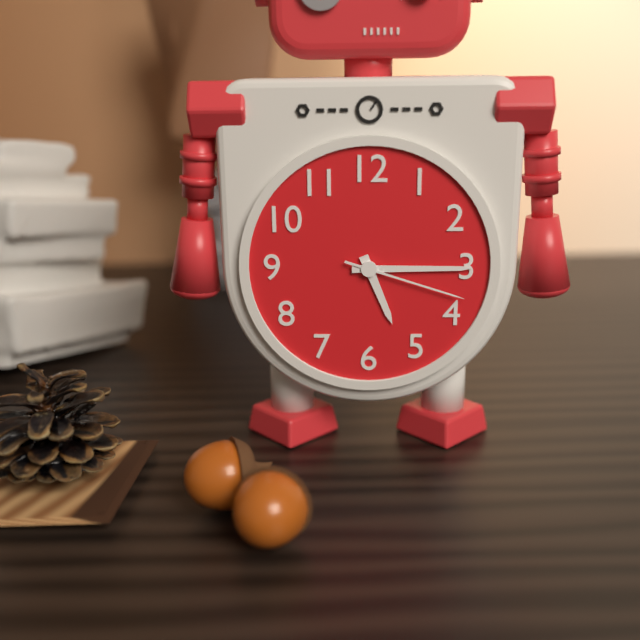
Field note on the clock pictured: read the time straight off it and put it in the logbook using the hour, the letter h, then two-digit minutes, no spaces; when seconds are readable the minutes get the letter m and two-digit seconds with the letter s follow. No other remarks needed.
5h15m18s
